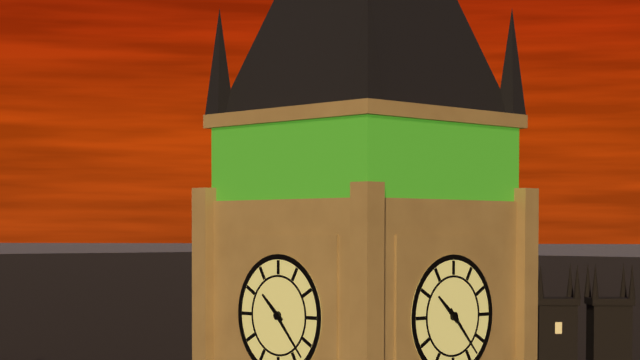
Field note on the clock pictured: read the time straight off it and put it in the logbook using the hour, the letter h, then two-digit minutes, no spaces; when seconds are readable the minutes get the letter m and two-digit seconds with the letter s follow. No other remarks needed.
10h23
